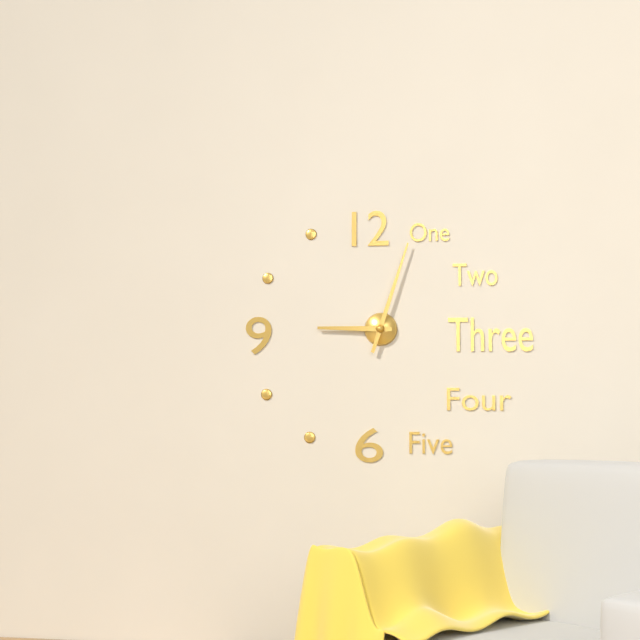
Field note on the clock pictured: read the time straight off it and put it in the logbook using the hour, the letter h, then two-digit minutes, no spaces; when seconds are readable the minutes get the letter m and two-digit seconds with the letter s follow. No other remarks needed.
9h03
